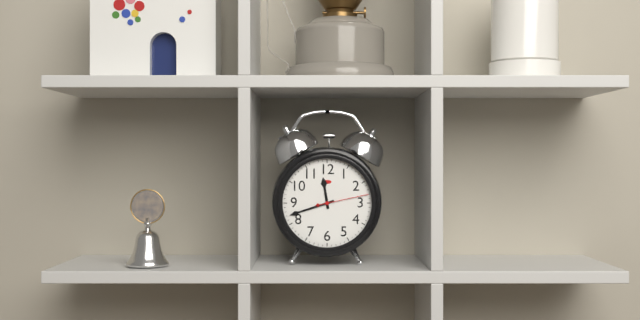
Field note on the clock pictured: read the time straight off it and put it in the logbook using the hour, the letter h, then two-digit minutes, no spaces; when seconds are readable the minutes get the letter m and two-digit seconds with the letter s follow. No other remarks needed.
11h42m13s
